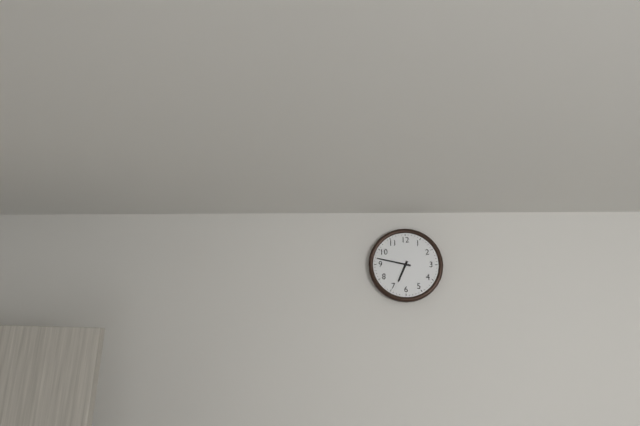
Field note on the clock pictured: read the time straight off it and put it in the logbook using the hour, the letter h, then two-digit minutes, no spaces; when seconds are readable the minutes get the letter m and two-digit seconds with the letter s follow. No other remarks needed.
6h47
